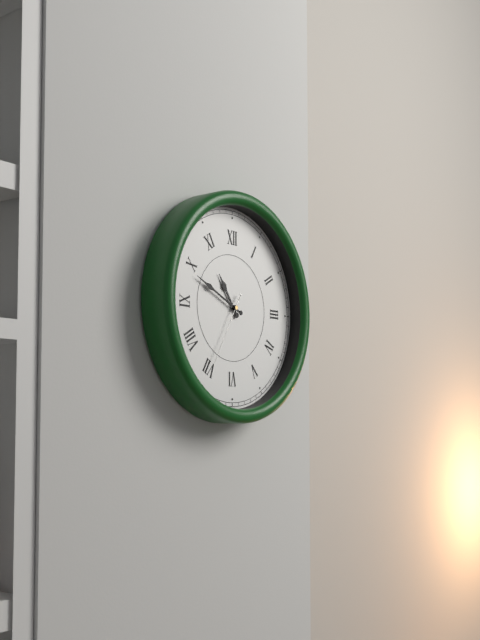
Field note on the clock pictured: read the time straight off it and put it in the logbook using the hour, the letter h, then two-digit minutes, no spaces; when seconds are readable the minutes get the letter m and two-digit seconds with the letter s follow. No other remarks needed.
10h49m35s
